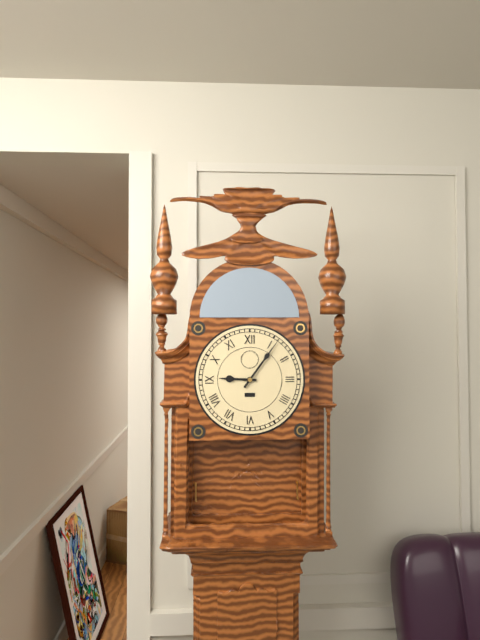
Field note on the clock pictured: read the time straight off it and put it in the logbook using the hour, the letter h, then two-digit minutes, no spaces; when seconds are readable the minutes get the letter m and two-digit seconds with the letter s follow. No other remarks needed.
9h06
